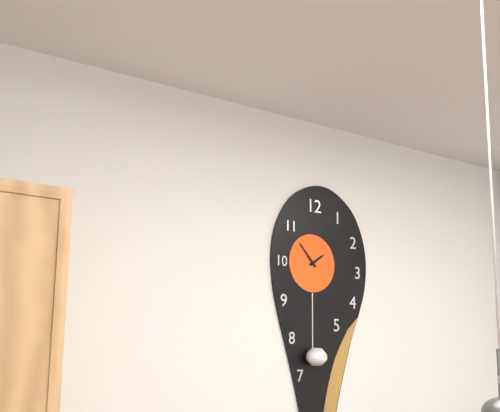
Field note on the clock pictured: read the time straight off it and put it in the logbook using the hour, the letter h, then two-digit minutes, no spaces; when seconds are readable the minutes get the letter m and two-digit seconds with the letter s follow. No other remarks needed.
1h53
